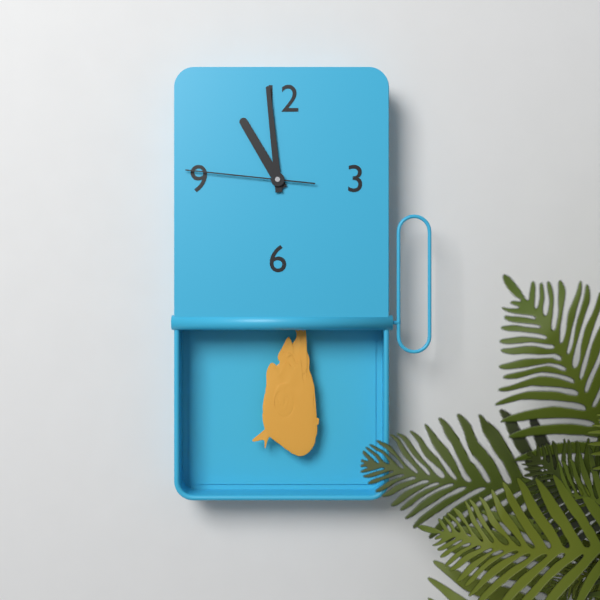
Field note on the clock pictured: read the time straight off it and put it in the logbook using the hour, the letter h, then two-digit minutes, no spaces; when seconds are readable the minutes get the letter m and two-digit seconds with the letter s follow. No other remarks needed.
10h59m46s
